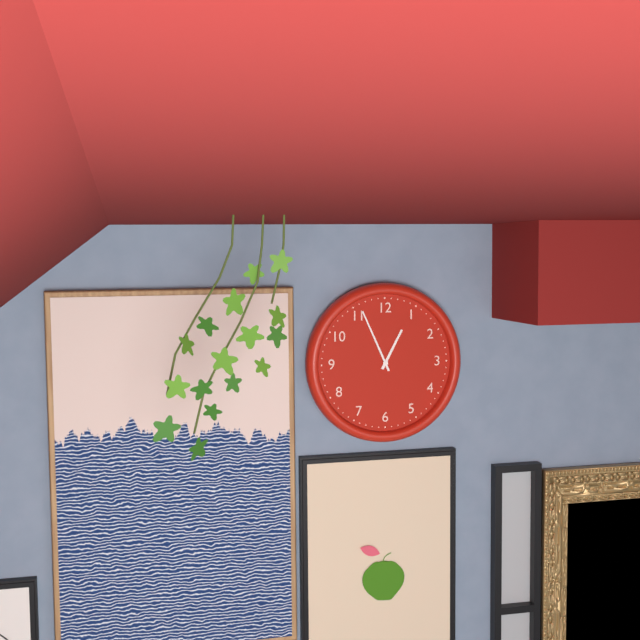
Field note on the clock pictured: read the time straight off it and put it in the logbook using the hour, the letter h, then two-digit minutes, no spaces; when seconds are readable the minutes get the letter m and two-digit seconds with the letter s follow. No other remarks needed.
12h56
